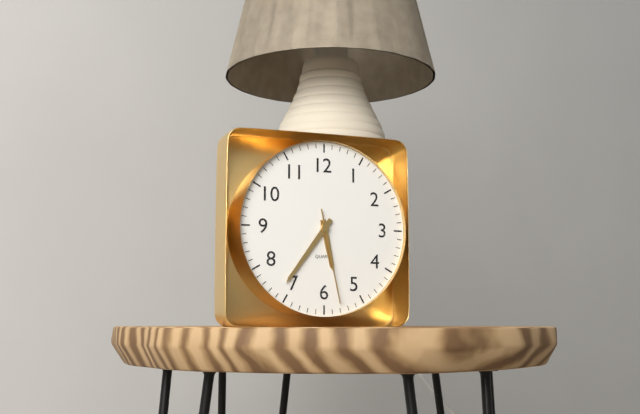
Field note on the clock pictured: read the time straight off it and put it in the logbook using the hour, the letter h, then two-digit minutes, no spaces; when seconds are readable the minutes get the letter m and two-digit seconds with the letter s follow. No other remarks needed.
5h36m28s
